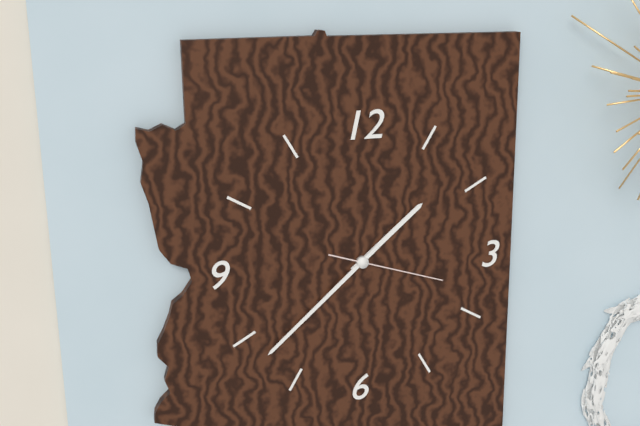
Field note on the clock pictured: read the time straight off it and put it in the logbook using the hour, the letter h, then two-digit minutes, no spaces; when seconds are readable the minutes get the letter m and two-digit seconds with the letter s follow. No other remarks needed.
1h38m18s
